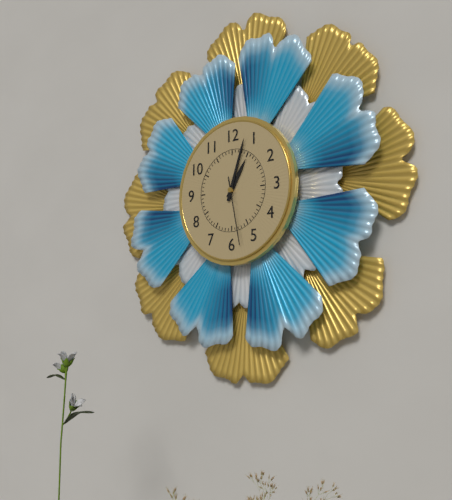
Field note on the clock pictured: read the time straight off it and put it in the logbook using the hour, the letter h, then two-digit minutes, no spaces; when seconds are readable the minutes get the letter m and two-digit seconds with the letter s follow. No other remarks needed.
1h03m28s
